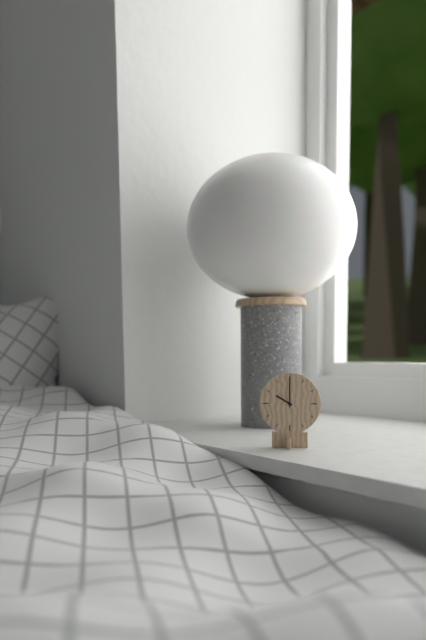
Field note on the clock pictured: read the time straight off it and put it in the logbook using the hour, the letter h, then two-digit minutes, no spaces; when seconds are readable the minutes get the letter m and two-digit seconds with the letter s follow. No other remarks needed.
10h00
